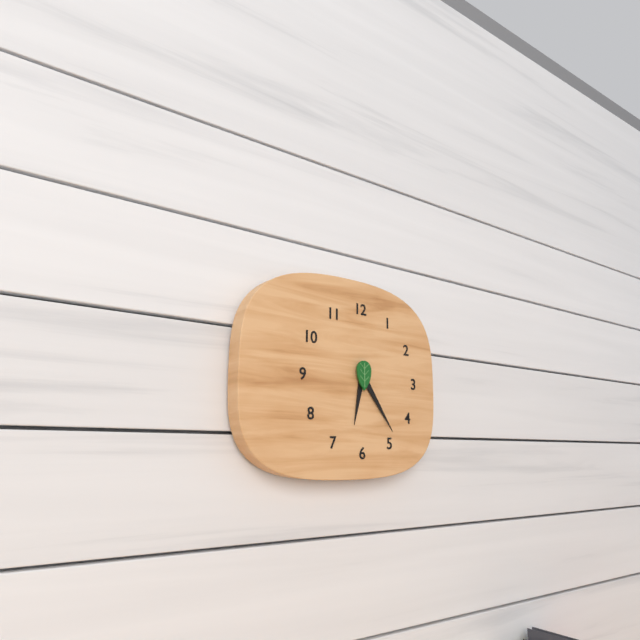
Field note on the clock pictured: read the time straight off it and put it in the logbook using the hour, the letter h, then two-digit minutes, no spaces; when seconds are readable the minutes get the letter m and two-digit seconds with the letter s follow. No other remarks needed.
6h24
